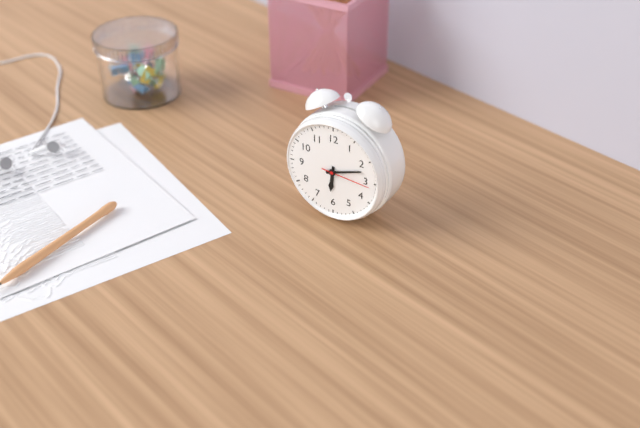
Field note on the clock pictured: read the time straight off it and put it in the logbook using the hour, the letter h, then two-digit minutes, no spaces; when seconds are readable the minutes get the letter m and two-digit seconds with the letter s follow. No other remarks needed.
6h12
